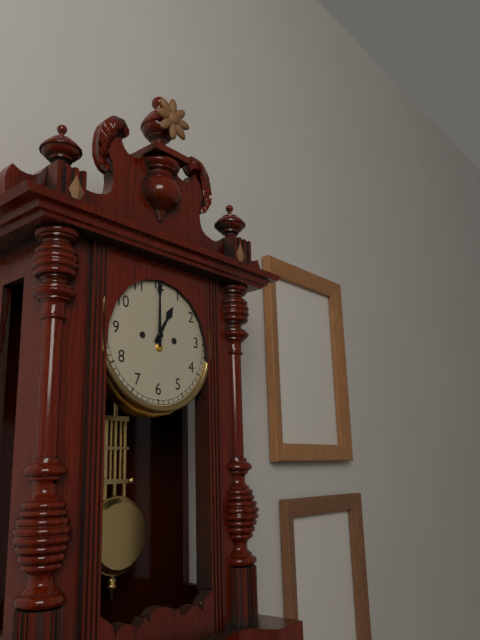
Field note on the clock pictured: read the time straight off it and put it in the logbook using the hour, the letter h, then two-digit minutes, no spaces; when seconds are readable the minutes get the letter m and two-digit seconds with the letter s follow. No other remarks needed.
1h00
